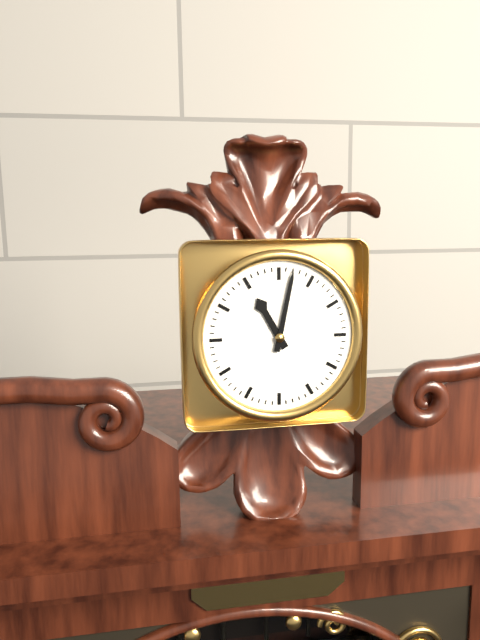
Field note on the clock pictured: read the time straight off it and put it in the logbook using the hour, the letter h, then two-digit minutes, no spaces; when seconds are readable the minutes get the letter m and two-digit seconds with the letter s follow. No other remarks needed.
11h02
